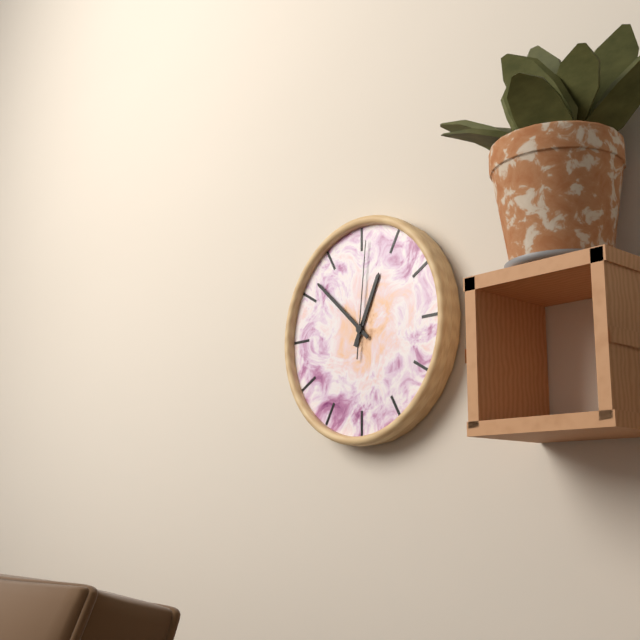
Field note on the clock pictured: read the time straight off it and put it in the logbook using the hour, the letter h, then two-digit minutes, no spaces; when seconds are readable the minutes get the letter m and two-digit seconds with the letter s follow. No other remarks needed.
12h52m01s
